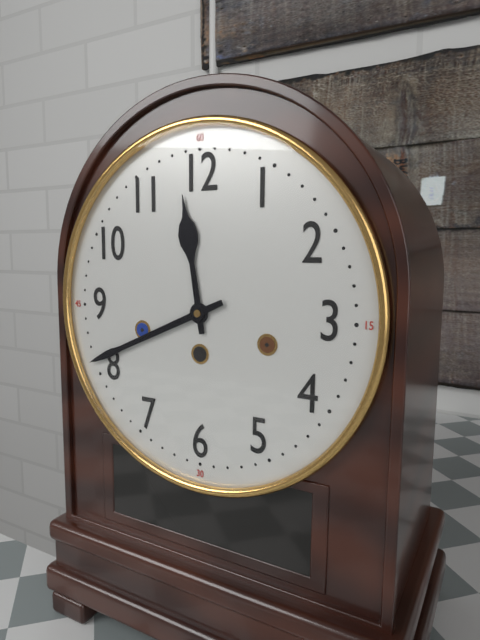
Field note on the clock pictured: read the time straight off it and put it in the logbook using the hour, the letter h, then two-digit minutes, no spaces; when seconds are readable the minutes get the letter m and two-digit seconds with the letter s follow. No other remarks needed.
11h41
